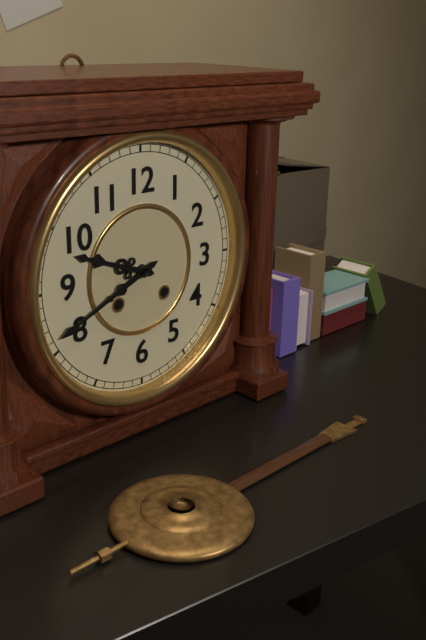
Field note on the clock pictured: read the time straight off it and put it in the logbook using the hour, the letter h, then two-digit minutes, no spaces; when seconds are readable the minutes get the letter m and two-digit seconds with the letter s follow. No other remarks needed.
9h41
